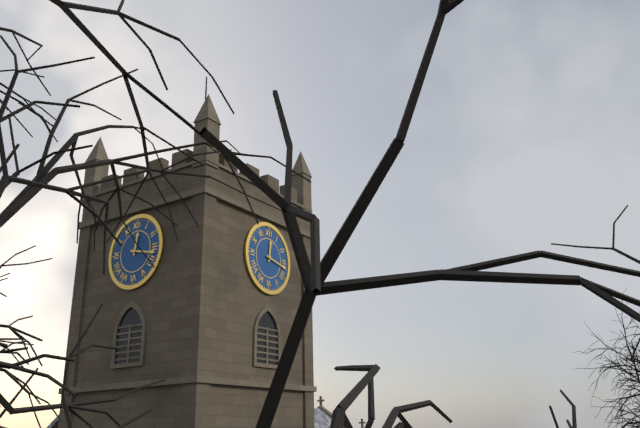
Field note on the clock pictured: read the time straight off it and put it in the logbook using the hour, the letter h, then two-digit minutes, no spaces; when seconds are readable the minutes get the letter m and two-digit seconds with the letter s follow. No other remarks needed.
12h17
